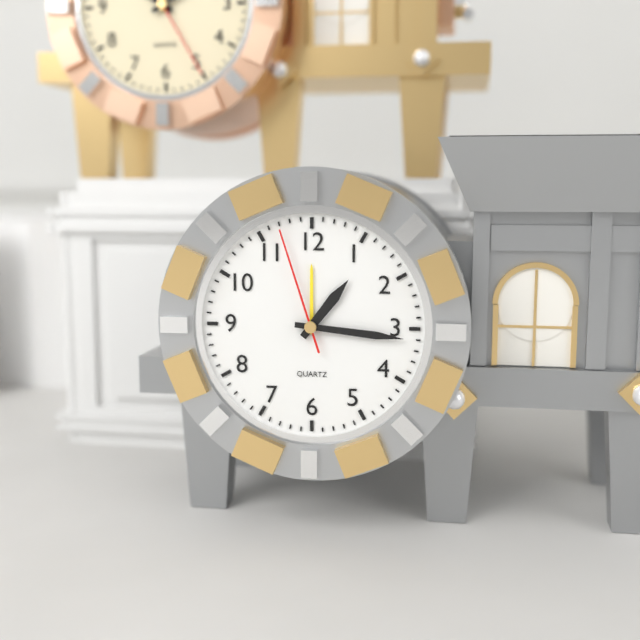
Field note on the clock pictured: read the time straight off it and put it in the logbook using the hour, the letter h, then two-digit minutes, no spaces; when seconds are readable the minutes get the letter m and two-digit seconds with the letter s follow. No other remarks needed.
1h16m57s
